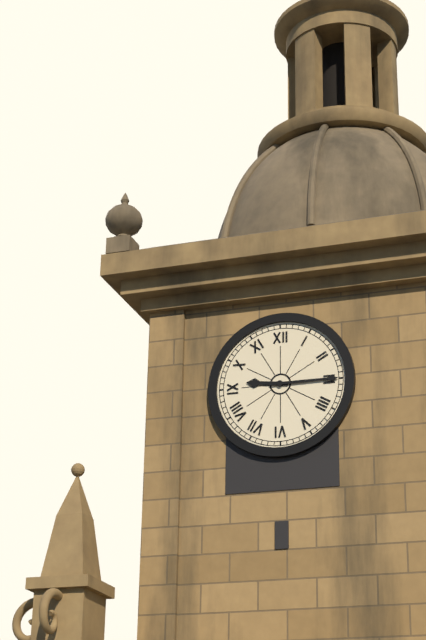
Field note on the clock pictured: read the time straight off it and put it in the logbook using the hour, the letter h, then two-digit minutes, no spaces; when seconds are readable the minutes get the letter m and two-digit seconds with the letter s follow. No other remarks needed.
9h15
